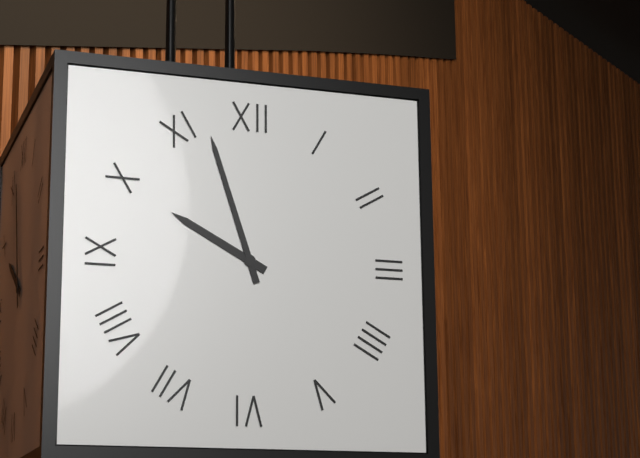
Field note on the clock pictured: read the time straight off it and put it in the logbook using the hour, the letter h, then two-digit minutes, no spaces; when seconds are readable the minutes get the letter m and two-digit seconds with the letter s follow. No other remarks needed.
9h57
